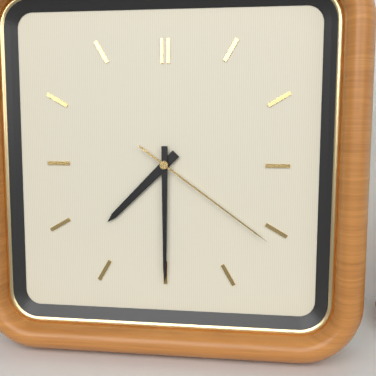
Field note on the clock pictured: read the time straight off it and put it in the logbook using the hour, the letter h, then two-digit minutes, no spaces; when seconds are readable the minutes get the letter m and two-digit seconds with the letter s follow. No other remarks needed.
7h30m21s
